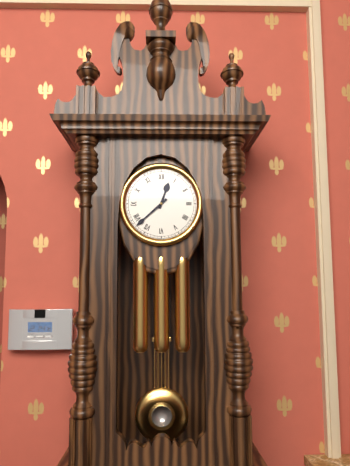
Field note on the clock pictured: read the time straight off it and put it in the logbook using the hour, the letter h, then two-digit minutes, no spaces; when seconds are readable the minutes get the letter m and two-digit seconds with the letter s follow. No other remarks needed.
12h38
